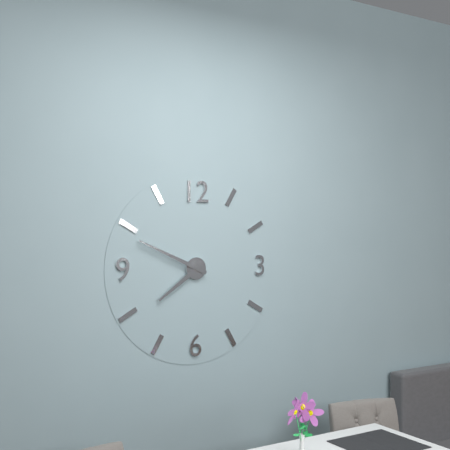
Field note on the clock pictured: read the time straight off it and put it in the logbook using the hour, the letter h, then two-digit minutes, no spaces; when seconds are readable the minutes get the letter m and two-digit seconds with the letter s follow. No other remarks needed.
7h49
